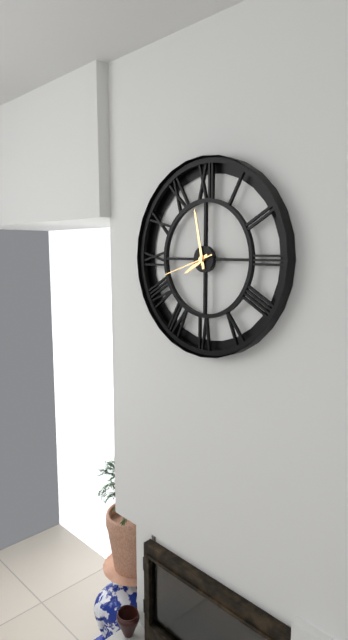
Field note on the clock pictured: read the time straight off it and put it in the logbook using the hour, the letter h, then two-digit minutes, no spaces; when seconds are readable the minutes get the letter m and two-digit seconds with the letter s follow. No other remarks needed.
7h58m42s
